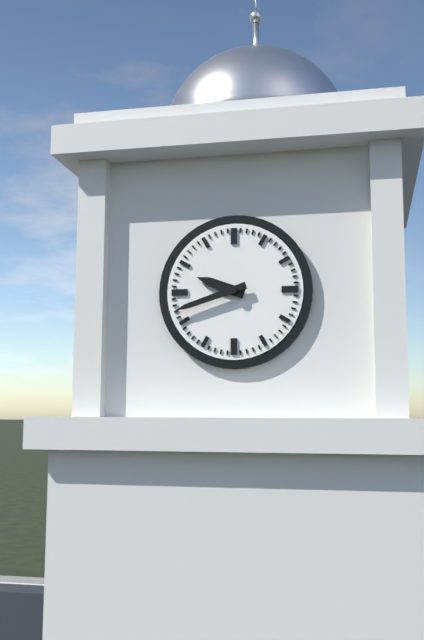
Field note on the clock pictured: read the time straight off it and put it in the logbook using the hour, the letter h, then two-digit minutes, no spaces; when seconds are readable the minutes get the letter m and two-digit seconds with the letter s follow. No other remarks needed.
9h42
